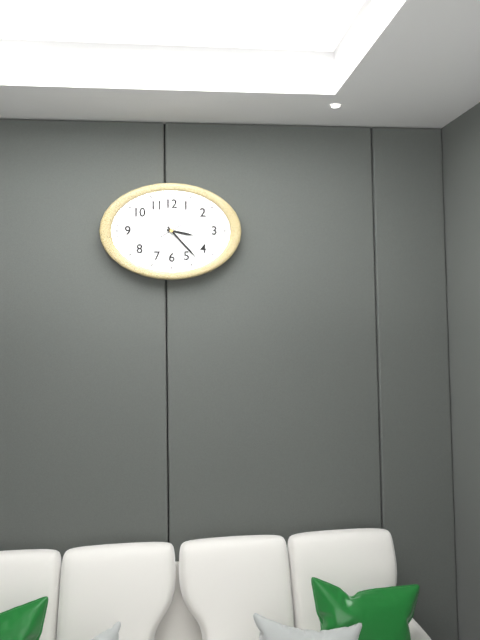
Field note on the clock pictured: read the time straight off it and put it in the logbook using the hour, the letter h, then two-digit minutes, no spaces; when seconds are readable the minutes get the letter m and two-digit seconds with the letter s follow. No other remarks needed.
3h23
